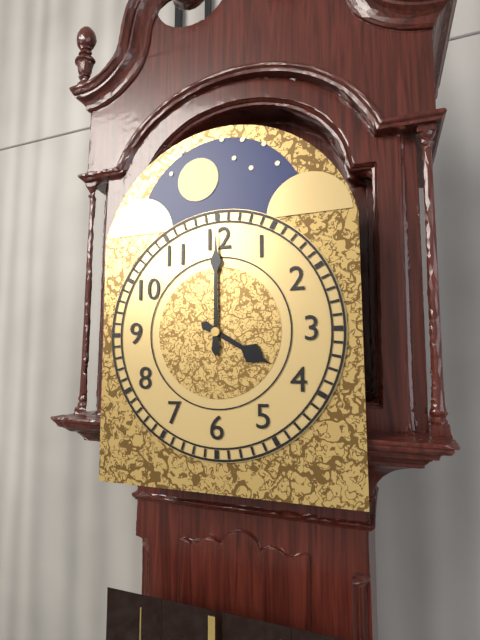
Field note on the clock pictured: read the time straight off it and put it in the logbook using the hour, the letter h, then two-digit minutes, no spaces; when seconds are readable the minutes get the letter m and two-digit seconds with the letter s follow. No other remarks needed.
4h00
